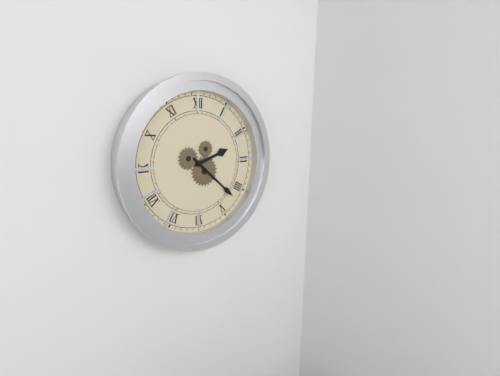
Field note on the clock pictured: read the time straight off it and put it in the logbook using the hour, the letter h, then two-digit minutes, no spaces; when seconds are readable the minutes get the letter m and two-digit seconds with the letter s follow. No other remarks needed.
2h22
